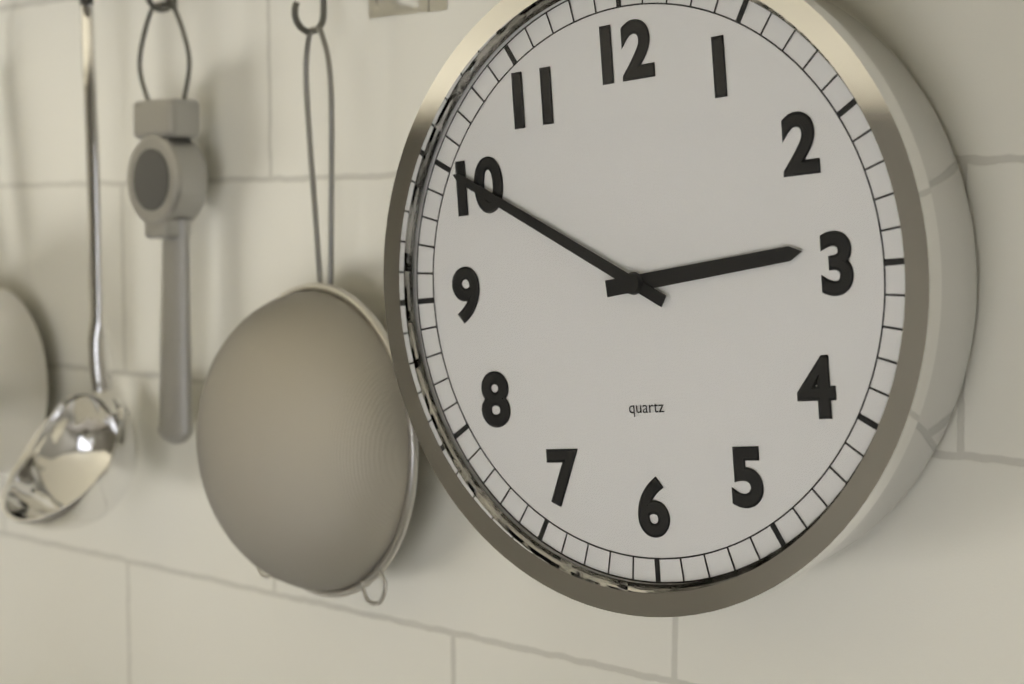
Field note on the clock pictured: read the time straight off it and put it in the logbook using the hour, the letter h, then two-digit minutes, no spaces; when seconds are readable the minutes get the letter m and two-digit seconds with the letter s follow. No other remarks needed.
2h50
